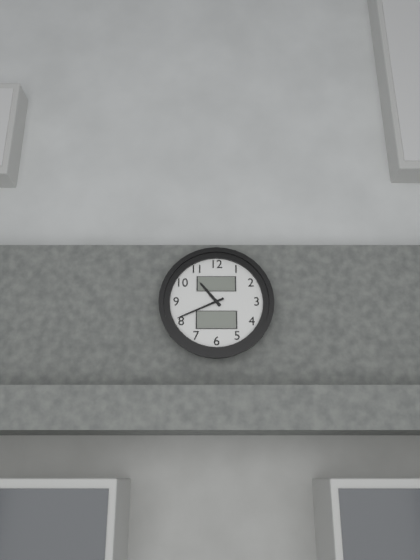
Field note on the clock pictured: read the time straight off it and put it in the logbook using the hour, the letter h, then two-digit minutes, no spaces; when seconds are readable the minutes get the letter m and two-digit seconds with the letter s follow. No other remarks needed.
10h41
